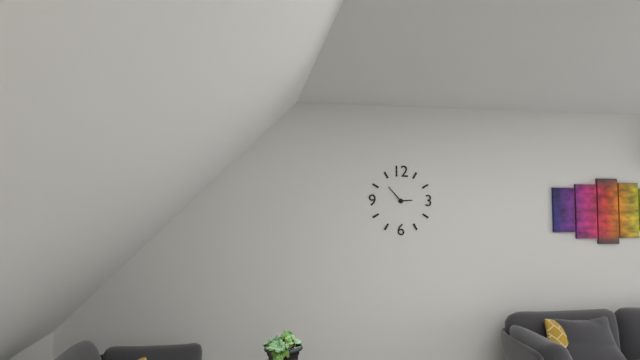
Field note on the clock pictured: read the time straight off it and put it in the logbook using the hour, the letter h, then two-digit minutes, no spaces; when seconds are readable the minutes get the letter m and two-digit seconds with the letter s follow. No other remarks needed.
2h53
